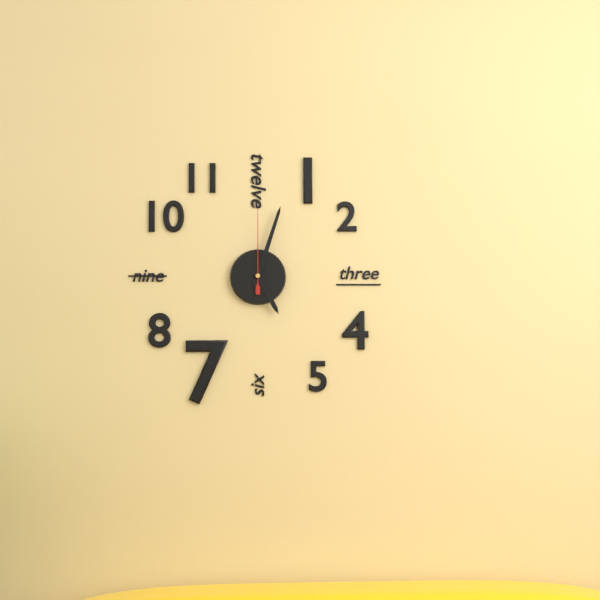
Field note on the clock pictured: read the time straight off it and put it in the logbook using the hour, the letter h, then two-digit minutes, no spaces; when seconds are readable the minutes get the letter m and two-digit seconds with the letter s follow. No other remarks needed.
5h03m00s
